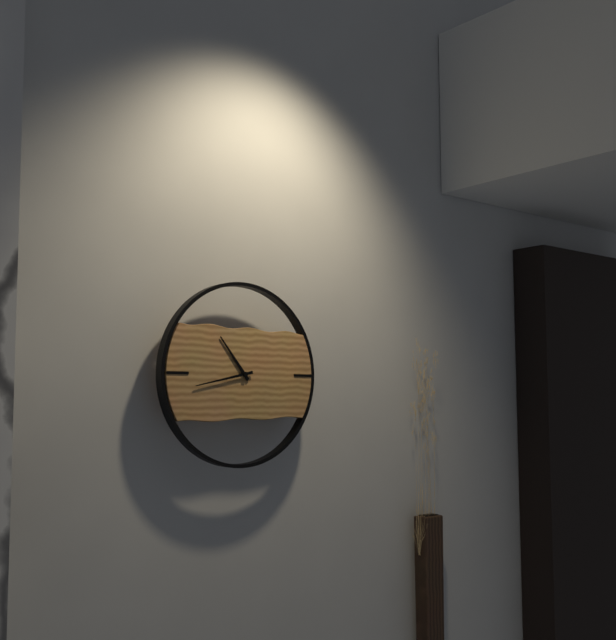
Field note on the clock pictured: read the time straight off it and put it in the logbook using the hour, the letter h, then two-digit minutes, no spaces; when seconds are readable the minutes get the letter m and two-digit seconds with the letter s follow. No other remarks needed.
10h43
